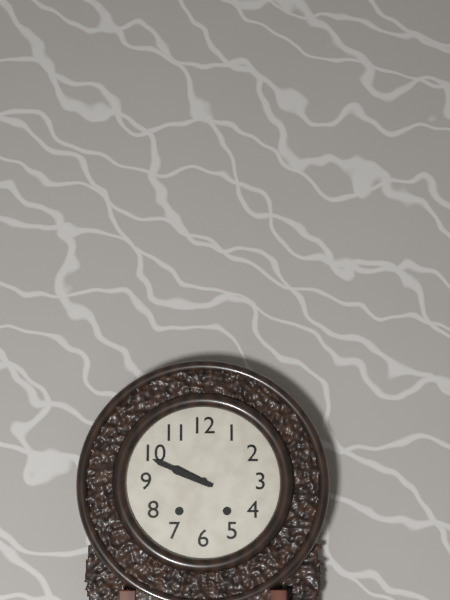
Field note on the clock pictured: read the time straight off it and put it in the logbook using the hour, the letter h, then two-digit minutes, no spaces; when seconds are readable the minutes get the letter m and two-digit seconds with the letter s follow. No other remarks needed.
9h49
